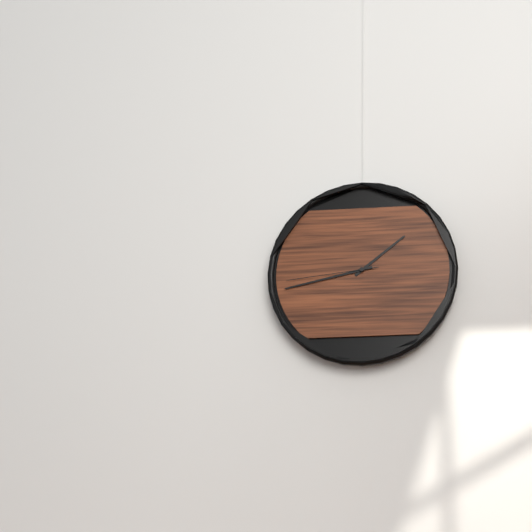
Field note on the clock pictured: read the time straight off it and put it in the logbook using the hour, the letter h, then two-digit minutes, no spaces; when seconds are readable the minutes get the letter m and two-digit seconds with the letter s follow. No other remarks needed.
1h43m44s
